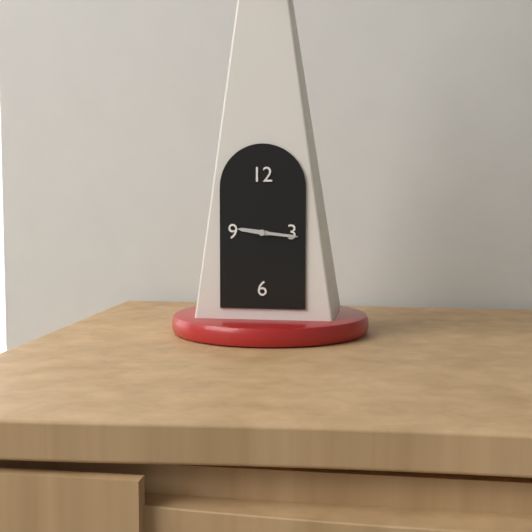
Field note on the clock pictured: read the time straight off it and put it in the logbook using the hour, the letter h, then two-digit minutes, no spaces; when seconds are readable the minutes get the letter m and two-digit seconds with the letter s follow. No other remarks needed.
9h16
